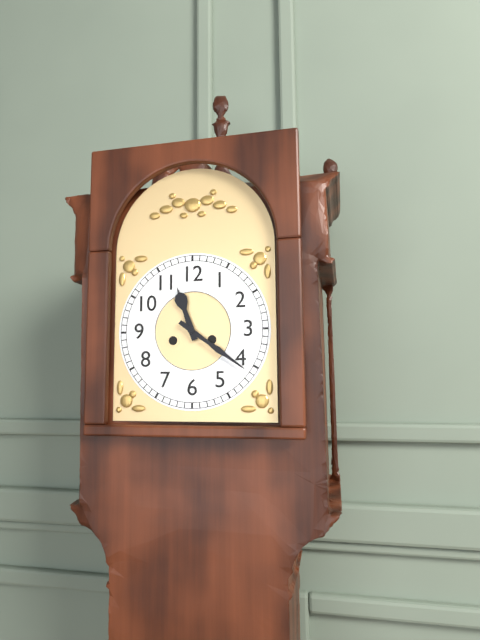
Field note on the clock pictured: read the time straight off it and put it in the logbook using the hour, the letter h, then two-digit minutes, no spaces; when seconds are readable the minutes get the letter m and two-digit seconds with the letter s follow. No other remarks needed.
11h21
